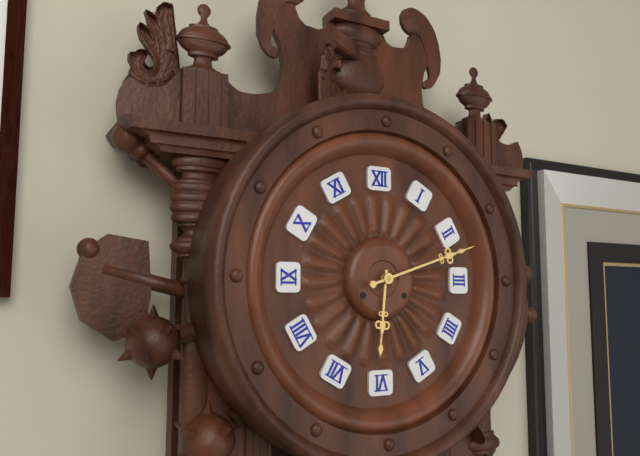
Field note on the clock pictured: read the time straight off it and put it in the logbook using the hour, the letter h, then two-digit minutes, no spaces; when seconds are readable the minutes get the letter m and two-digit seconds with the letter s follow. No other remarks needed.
6h12
